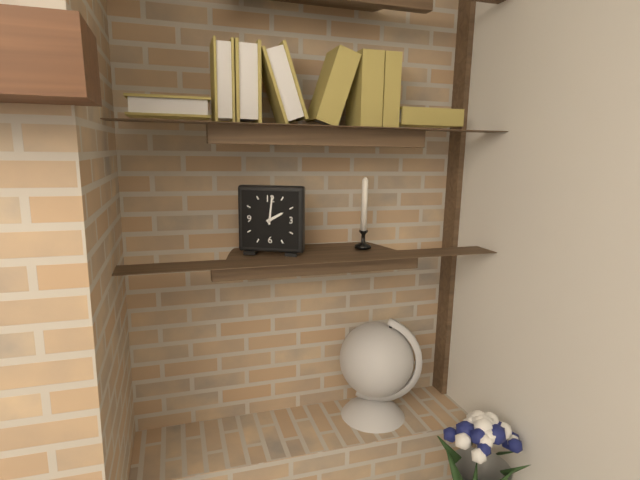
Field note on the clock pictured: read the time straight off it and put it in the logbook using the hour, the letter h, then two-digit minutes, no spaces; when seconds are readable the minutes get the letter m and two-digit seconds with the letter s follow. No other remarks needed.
2h01
